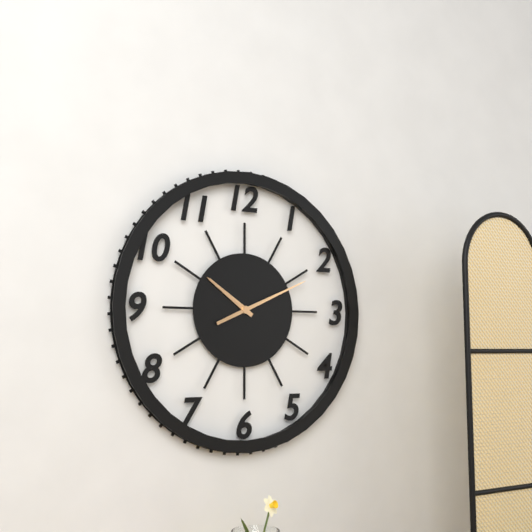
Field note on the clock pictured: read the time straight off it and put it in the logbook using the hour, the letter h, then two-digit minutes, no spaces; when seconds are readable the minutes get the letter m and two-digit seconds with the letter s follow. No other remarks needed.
10h11
